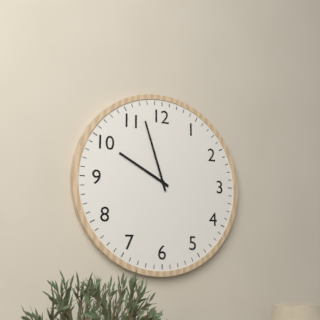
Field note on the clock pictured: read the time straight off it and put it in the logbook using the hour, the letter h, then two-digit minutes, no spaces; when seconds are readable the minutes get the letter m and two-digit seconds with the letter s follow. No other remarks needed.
9h57
